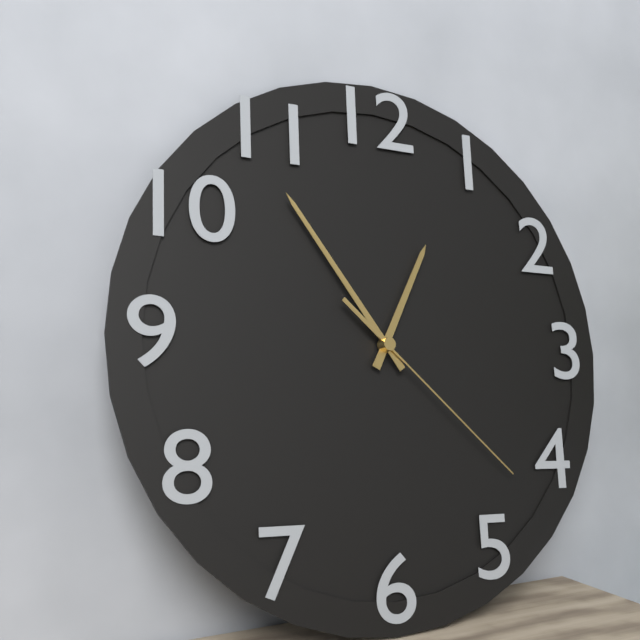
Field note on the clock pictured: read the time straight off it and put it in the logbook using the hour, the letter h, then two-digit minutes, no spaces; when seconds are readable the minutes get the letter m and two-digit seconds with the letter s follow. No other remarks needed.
12h54m22s
